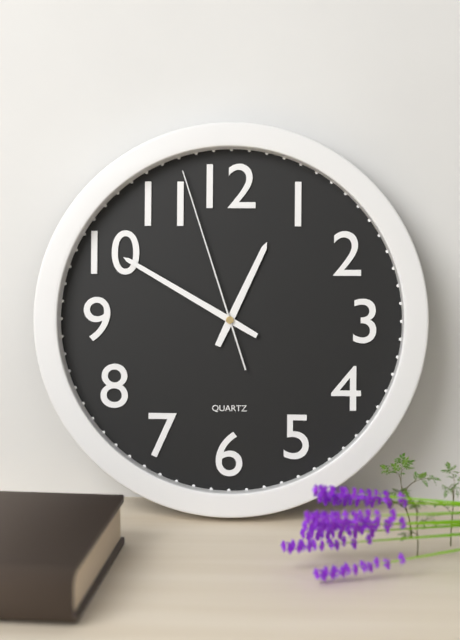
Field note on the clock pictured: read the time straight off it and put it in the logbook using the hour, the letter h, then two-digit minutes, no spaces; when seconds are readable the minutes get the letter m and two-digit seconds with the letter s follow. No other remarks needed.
12h50m57s
